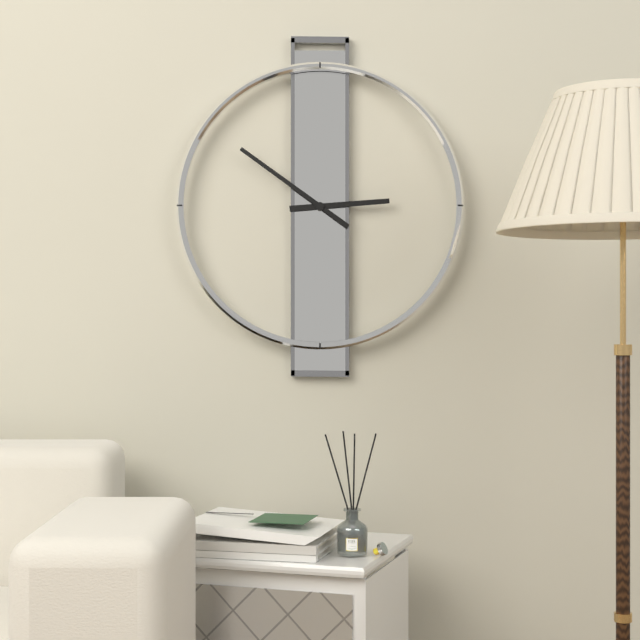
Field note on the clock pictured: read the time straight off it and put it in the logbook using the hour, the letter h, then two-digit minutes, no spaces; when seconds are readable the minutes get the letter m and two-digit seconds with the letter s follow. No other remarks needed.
2h51
